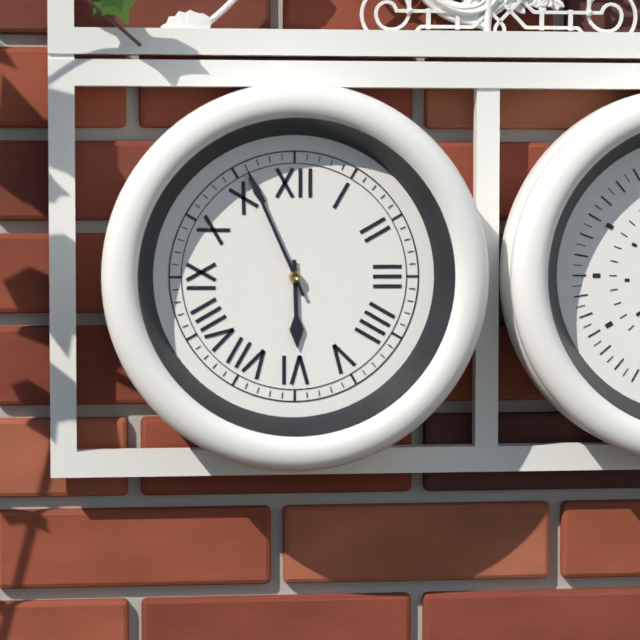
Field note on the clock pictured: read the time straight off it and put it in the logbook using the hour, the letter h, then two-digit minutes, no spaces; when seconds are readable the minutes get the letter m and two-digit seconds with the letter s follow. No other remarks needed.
5h56
